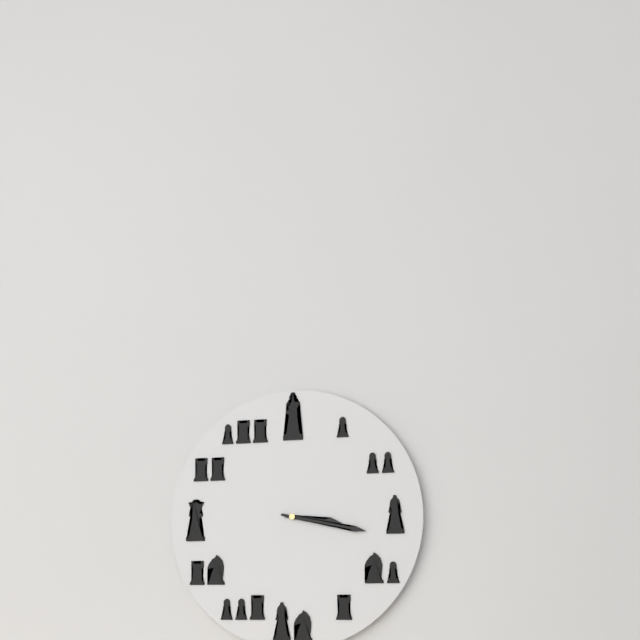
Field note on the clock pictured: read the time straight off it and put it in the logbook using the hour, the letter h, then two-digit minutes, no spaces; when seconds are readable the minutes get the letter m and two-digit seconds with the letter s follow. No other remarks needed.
3h17
